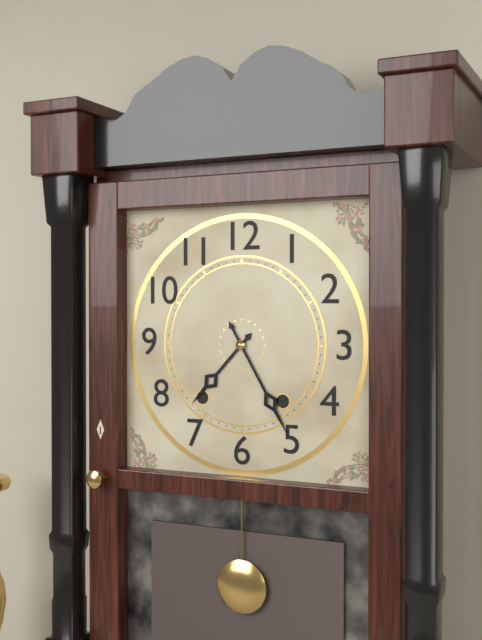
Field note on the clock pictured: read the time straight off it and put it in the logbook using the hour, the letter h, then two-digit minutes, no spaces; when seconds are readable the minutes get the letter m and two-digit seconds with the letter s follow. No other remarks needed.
7h25
